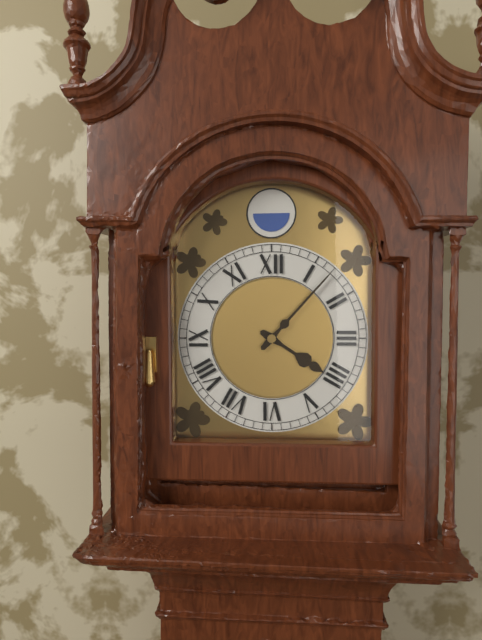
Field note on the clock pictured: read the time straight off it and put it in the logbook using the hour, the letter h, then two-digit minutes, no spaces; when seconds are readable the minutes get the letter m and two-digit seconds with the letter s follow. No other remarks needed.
4h07
